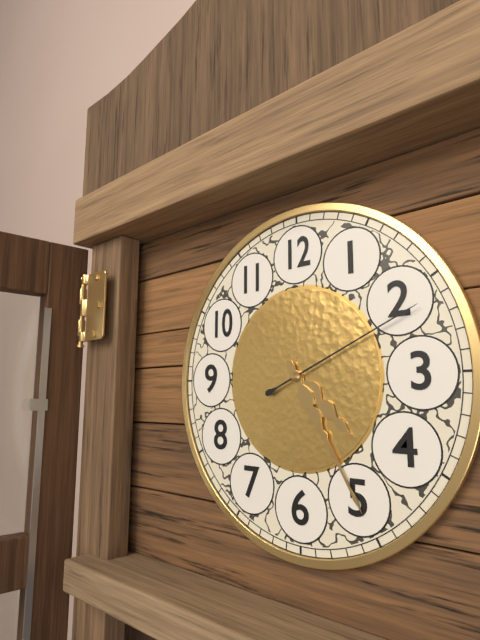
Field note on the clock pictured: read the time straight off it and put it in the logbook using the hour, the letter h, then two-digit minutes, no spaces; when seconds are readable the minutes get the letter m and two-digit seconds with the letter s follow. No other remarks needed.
4h25m11s
